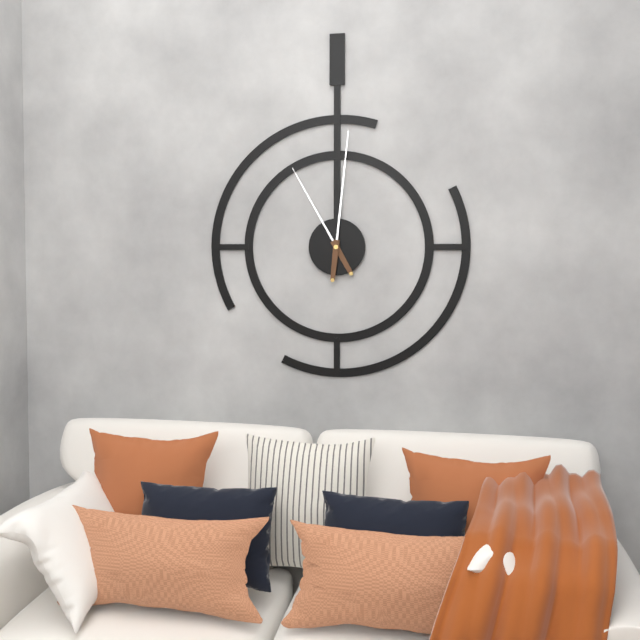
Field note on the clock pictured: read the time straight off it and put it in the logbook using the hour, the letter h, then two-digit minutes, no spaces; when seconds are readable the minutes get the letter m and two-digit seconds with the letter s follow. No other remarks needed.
11h01
